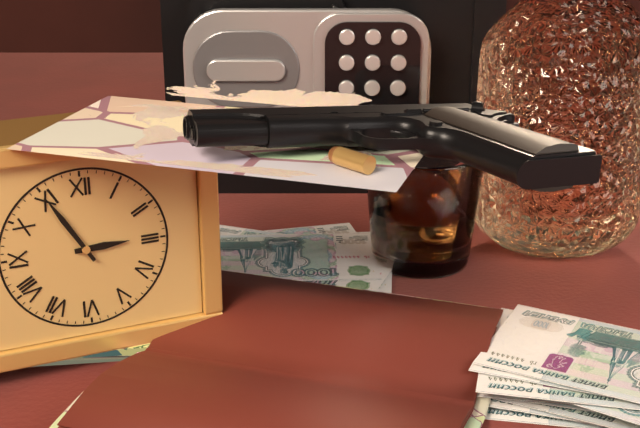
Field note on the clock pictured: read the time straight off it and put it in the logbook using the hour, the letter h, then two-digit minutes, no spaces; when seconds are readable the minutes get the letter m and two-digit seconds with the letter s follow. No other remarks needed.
2h55
